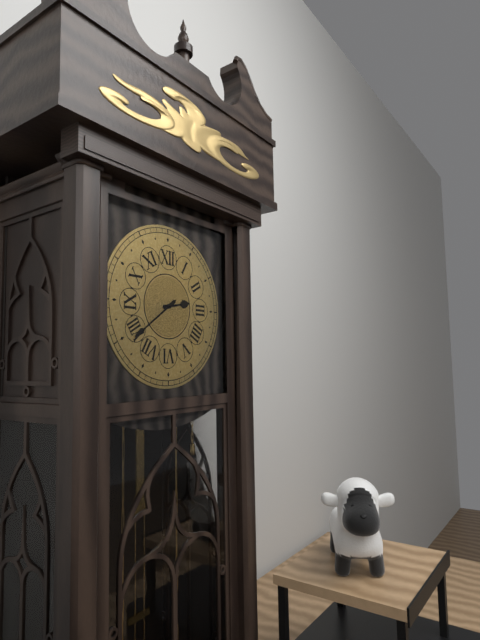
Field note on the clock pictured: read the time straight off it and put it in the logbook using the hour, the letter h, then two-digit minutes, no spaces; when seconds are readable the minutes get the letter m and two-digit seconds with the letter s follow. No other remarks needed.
2h39
